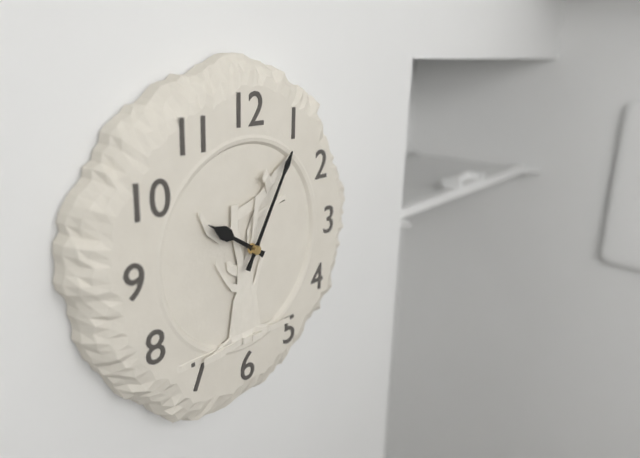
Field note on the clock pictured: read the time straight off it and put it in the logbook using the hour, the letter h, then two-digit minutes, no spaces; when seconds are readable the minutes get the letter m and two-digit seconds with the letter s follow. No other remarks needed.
10h05
